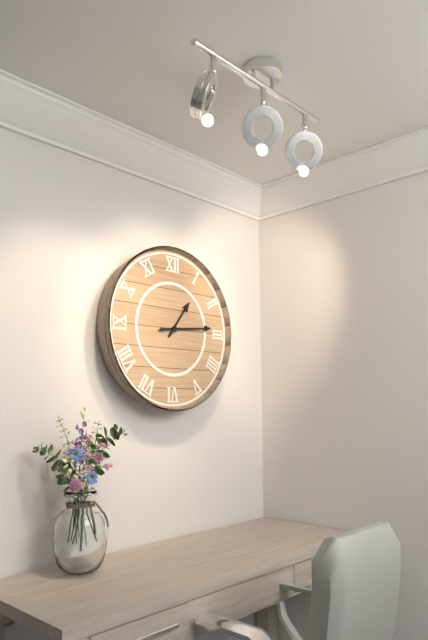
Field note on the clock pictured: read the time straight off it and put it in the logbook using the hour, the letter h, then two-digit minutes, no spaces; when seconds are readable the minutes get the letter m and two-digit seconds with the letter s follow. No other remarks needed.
1h14
